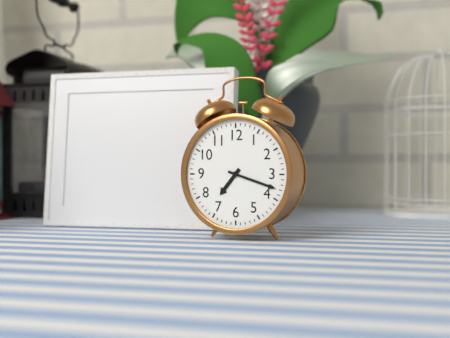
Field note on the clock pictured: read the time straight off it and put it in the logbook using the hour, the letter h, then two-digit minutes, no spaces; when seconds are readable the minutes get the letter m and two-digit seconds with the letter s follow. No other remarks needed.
7h18
